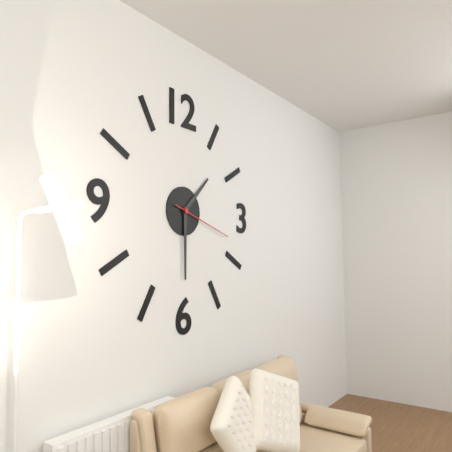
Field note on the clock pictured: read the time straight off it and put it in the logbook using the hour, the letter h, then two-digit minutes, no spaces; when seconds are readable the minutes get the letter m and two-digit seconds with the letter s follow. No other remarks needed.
1h30m18s
